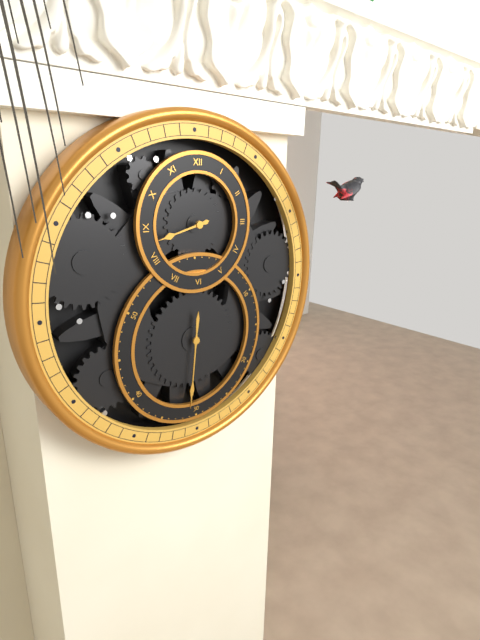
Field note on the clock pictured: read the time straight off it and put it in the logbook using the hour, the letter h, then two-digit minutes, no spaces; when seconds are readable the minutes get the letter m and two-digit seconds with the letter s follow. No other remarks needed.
8h31
